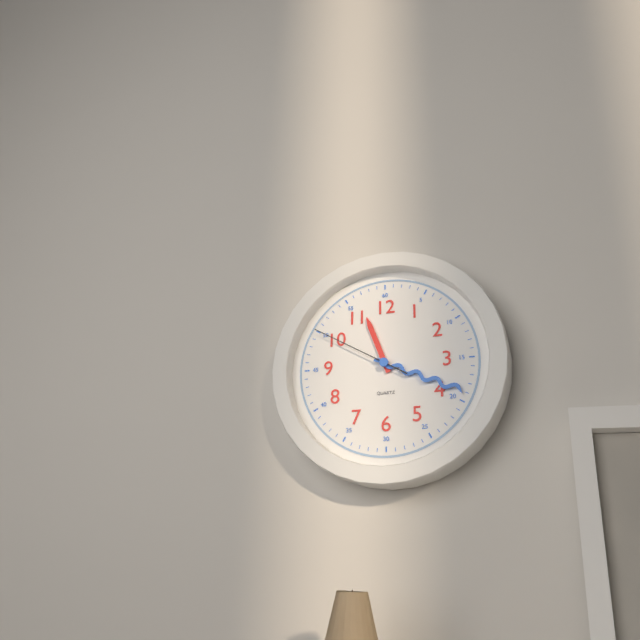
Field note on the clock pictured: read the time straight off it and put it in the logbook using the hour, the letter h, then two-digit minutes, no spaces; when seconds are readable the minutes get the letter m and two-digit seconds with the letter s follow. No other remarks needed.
11h19m50s
